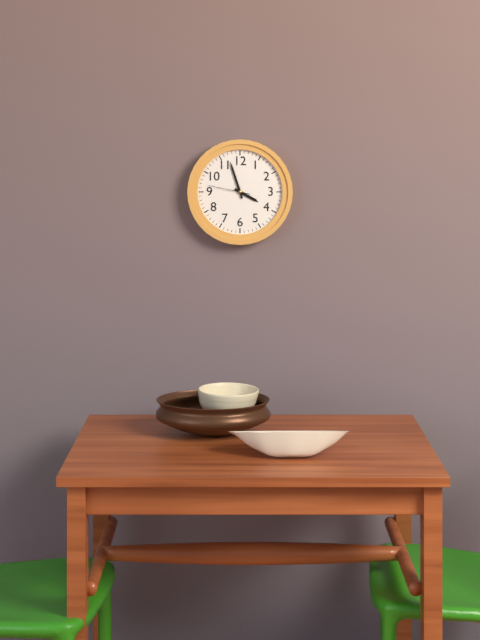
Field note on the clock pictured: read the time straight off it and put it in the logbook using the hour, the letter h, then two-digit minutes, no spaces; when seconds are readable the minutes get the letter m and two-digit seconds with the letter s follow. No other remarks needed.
3h57
